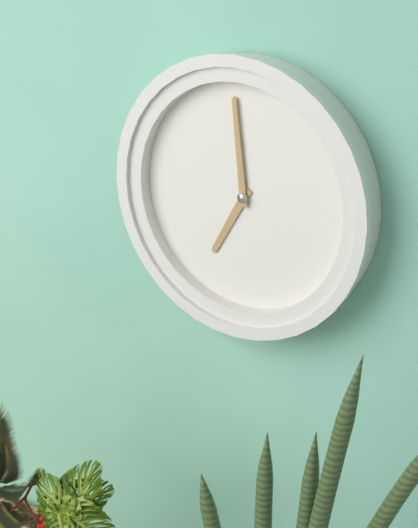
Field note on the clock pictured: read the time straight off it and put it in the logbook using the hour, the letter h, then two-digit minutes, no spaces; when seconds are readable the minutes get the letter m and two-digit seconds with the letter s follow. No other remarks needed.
6h59
